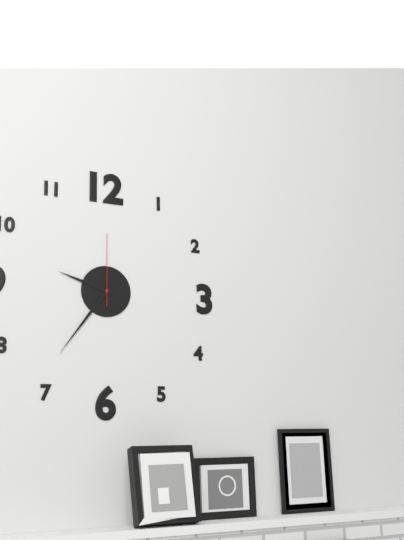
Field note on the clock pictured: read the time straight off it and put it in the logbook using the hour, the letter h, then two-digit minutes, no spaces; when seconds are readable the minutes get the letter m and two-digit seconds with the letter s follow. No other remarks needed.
9h36m00s
